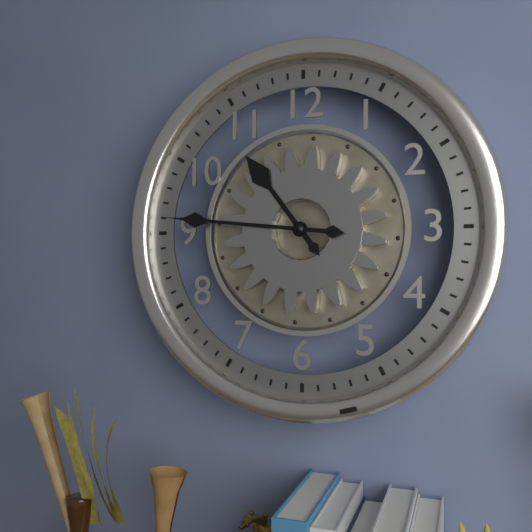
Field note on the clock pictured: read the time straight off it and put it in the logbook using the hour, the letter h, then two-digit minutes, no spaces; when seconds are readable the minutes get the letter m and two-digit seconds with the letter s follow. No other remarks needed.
10h46
